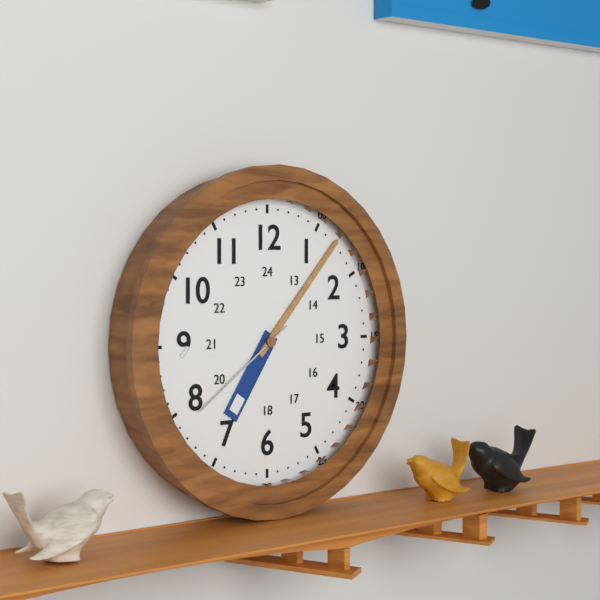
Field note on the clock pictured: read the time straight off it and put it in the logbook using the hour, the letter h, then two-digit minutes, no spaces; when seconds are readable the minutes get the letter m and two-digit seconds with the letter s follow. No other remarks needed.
7h07m39s
